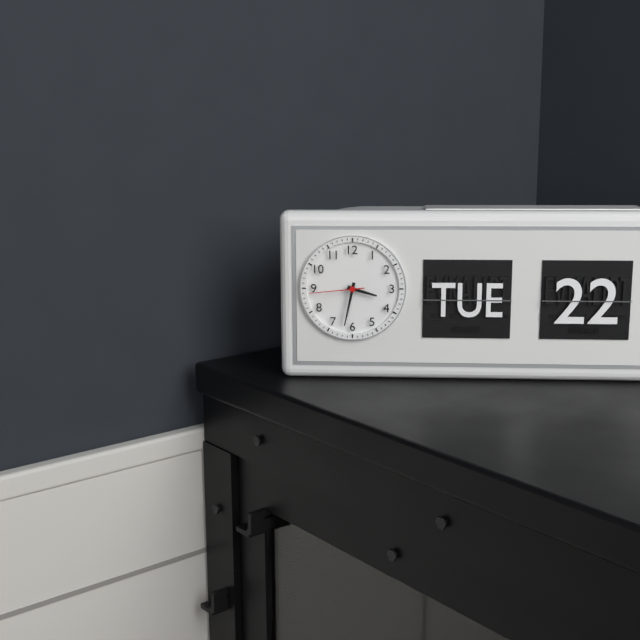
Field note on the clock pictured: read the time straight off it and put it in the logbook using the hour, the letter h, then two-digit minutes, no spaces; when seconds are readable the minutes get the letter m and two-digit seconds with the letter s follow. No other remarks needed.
3h32m44s
